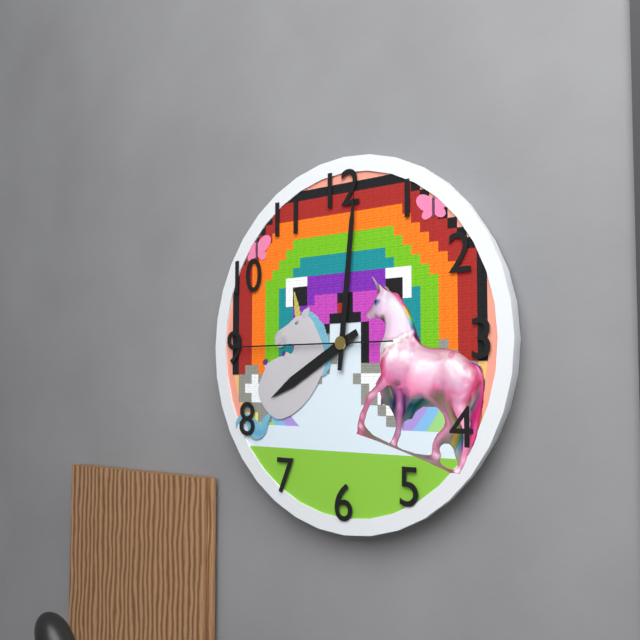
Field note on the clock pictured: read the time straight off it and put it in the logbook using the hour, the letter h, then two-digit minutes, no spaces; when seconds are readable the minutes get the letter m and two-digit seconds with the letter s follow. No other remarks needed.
8h01m45s
